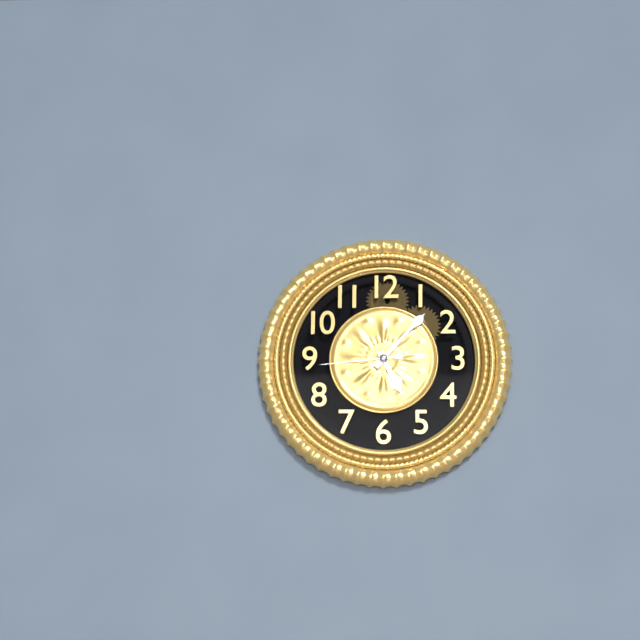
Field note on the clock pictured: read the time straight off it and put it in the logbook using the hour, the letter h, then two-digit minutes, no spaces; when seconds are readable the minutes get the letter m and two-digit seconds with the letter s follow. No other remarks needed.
5h07m44s
